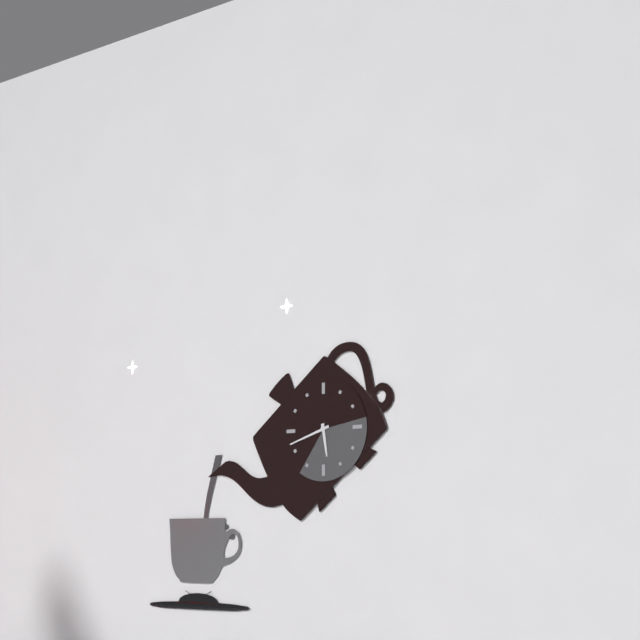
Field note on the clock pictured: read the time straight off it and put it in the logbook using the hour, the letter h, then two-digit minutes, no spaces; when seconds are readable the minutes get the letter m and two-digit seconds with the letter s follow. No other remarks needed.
5h42
